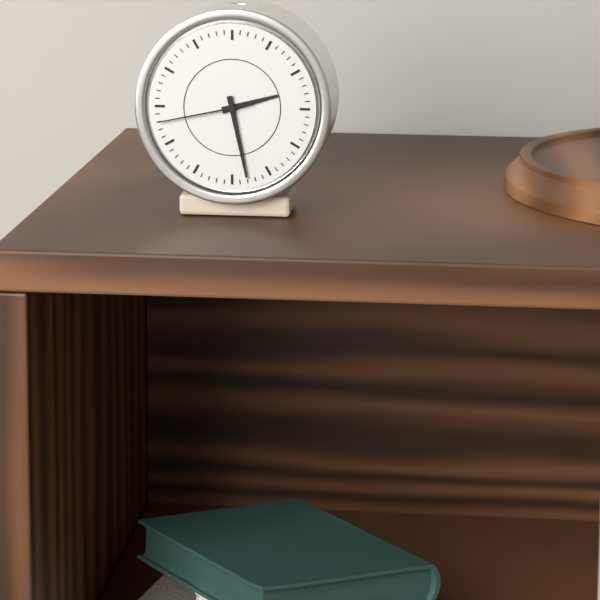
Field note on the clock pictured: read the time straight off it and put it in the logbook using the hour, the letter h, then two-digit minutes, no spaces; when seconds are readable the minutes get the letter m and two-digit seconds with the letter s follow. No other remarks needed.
2h28m43s
